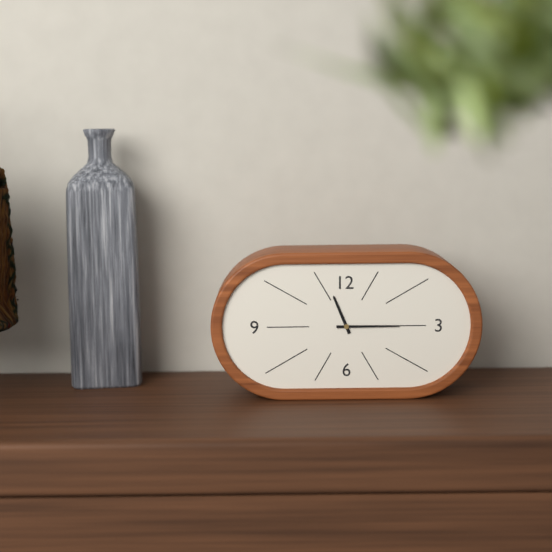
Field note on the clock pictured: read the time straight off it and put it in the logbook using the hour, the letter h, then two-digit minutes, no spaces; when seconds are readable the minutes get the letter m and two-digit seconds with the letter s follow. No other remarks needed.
11h15
